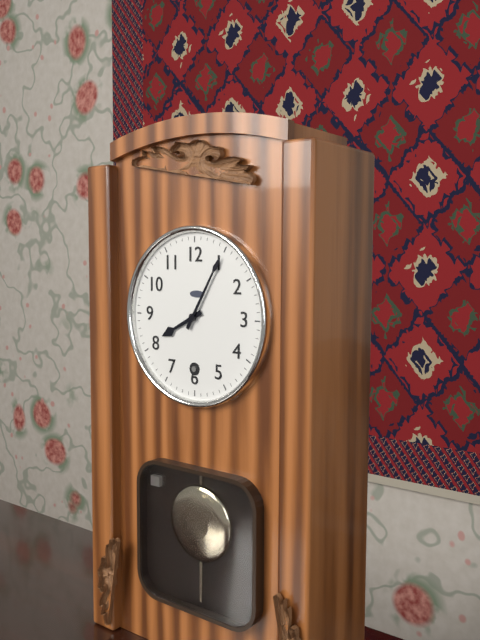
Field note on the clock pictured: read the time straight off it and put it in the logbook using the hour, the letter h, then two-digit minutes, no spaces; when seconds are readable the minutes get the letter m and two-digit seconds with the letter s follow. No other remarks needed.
8h05
